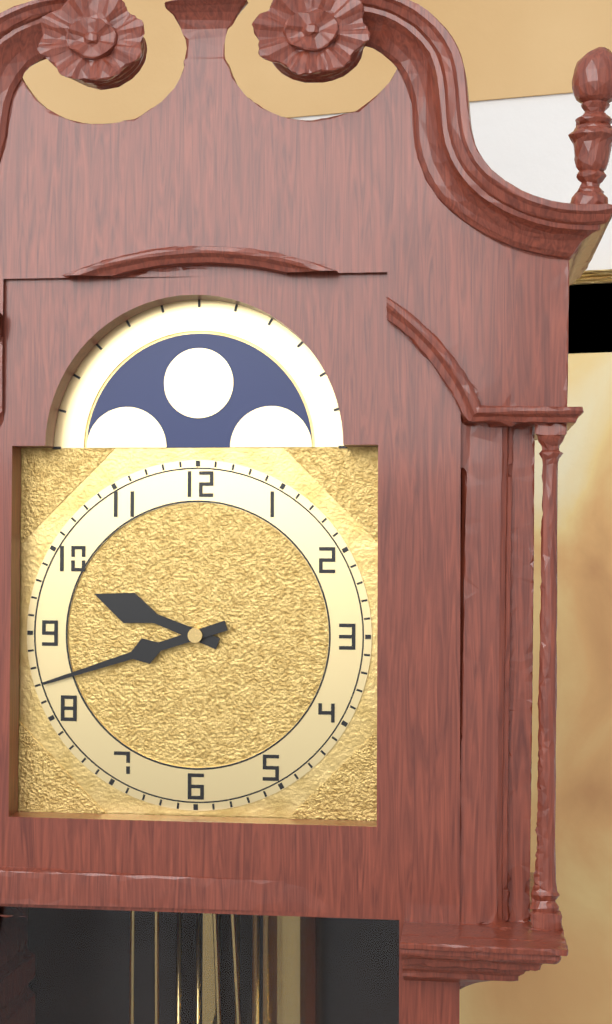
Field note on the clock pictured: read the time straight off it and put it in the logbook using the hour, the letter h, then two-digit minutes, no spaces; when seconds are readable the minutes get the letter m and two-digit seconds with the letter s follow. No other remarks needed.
9h42
